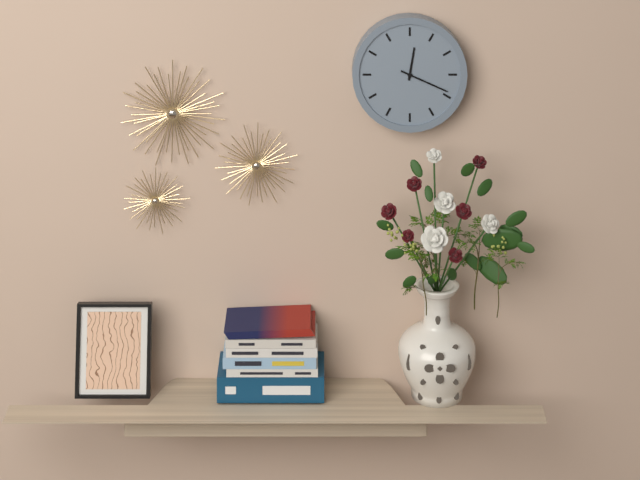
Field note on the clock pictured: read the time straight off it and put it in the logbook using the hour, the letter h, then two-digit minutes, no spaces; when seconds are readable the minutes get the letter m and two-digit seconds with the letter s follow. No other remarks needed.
12h19
